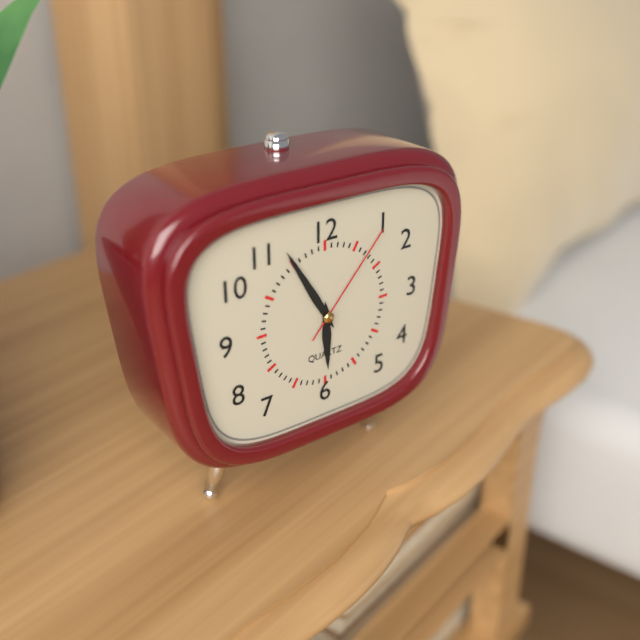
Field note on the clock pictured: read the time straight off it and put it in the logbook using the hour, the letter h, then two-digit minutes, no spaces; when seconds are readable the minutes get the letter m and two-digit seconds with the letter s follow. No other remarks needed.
5h55m07s
